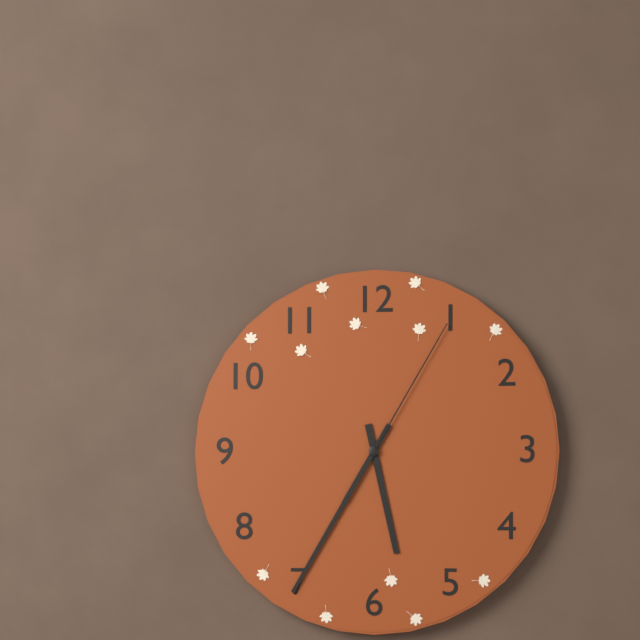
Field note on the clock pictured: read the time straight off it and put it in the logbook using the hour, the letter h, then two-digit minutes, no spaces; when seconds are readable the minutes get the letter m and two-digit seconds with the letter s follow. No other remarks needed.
5h35m05s
